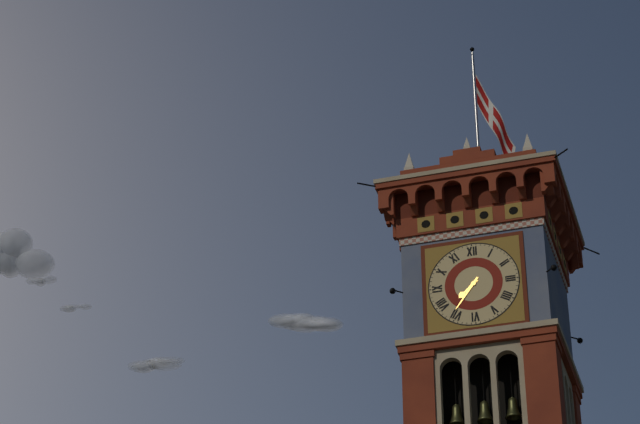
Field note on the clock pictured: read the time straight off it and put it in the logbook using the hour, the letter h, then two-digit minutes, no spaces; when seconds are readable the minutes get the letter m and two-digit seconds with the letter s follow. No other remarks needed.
7h36
